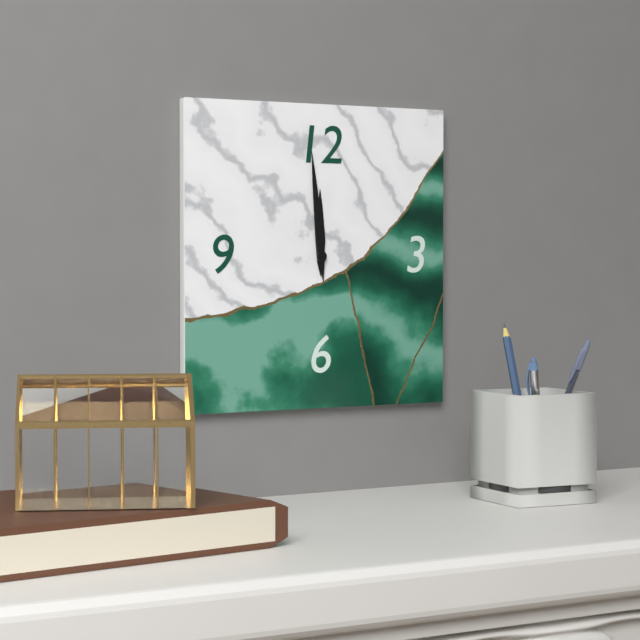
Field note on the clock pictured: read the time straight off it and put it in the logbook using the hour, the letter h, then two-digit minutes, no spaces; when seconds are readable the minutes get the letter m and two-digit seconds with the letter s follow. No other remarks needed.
11h59
